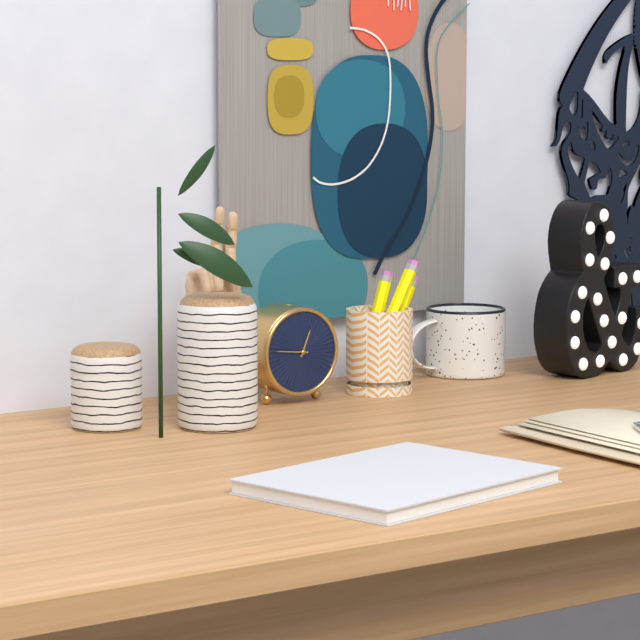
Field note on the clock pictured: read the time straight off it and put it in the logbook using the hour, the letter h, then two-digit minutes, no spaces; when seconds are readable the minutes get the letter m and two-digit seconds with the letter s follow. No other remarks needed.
12h46
